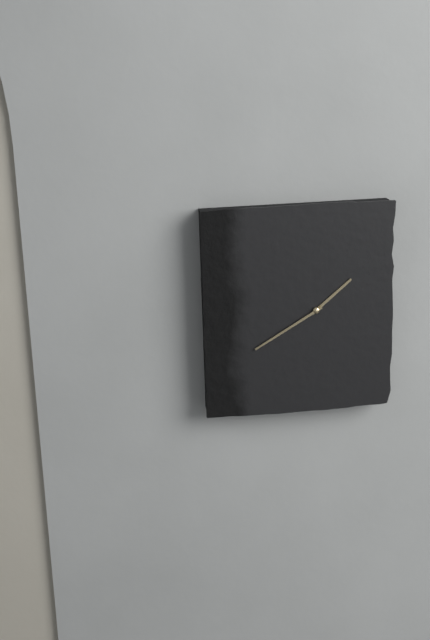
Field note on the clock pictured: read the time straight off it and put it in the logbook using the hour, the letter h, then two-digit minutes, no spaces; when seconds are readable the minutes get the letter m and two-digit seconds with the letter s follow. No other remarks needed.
1h40
